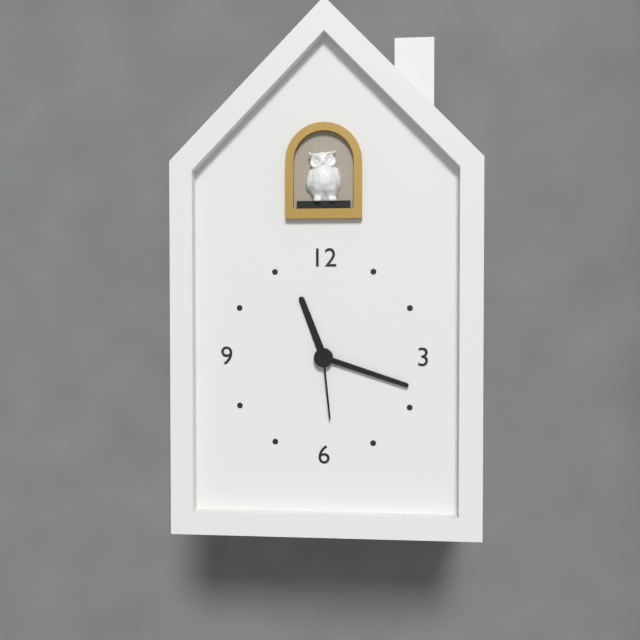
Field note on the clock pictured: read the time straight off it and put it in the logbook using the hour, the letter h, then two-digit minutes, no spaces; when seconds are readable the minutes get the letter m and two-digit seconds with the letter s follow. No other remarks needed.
11h18m29s
